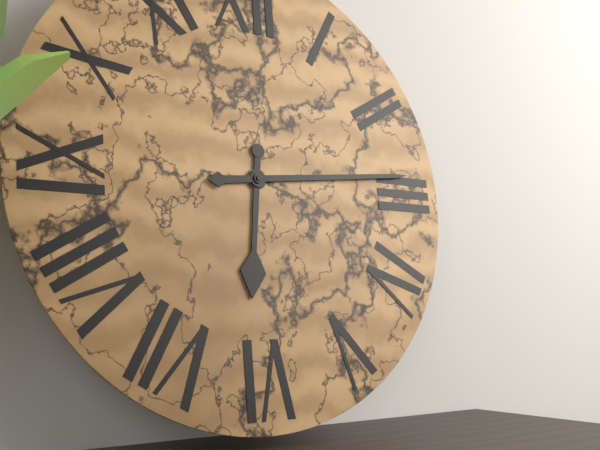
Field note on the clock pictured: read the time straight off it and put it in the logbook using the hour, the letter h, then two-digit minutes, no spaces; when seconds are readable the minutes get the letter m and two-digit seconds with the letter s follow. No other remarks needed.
6h14
